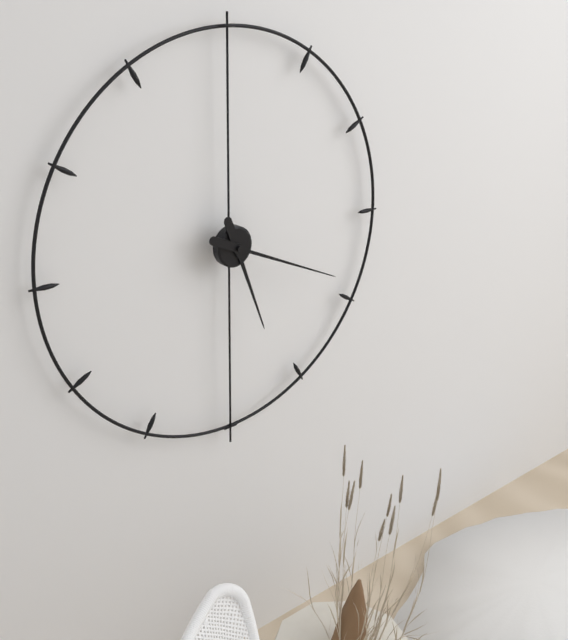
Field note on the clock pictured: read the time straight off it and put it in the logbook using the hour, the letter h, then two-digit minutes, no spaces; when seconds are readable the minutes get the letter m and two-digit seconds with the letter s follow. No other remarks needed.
5h19
